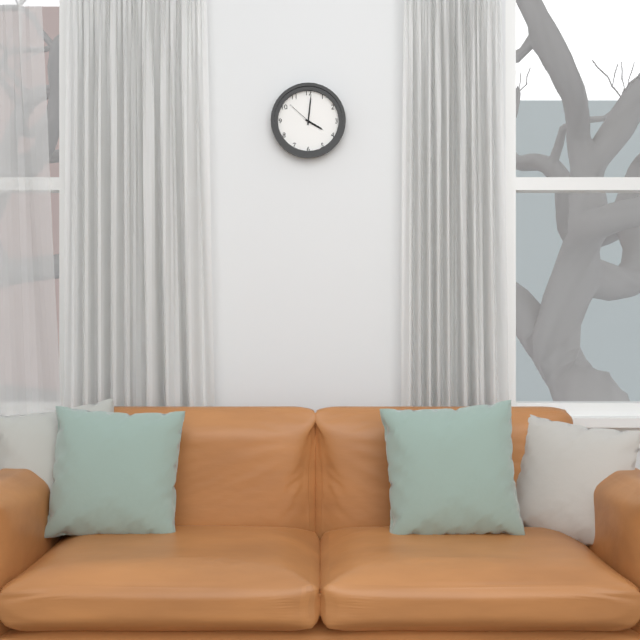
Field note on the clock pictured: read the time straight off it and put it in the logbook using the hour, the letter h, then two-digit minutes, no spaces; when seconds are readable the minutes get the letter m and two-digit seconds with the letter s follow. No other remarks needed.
4h01
